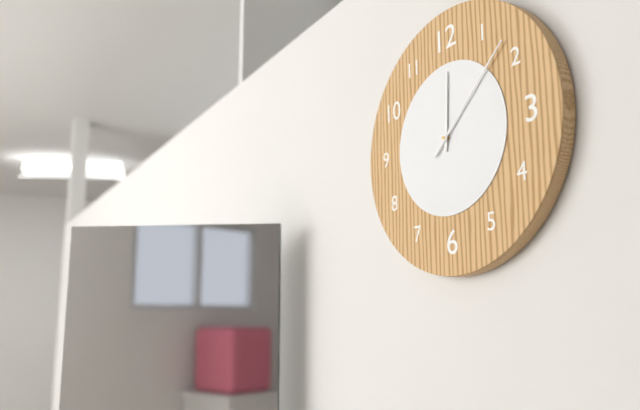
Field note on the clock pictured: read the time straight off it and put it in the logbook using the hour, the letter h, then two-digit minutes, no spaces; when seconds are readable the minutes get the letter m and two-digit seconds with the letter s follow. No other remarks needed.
12h08
